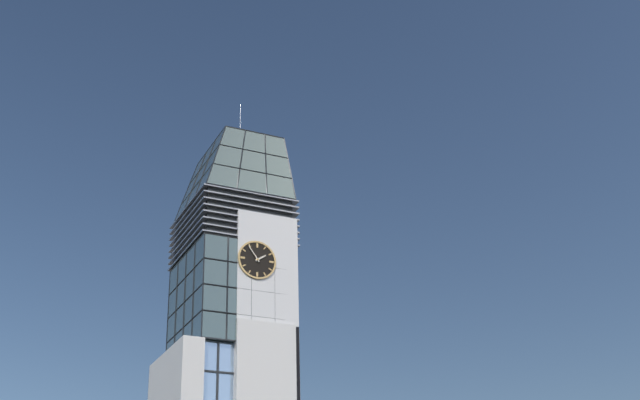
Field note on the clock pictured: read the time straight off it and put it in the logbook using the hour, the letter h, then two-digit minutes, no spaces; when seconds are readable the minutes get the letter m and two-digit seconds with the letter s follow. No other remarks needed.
1h54
